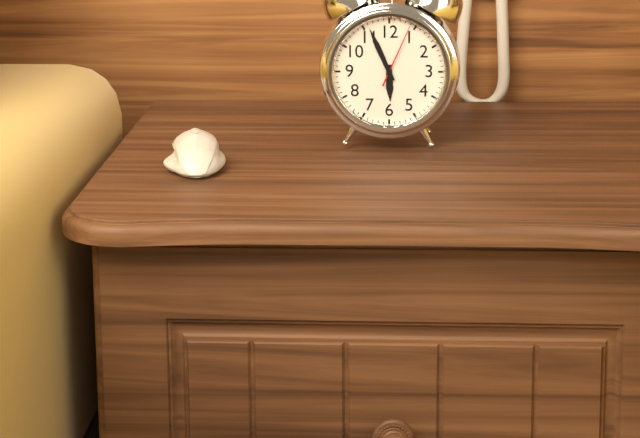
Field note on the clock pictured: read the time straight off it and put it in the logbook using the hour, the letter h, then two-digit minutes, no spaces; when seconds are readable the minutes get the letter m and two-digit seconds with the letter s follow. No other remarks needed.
5h56m04s
